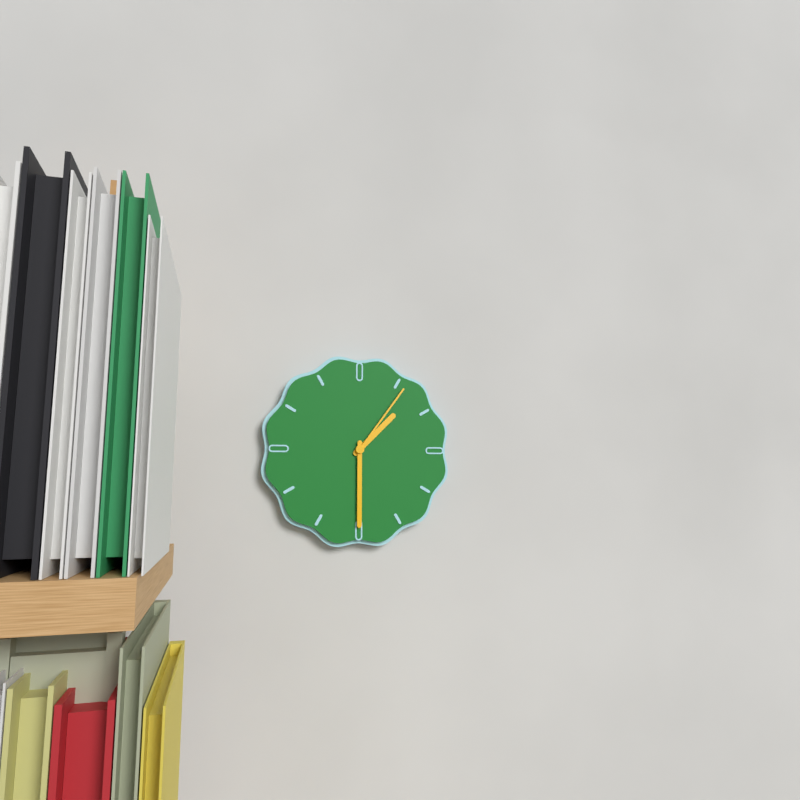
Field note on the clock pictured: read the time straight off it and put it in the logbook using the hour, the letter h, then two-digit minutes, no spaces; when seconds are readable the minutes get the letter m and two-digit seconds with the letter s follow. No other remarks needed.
1h30m06s
